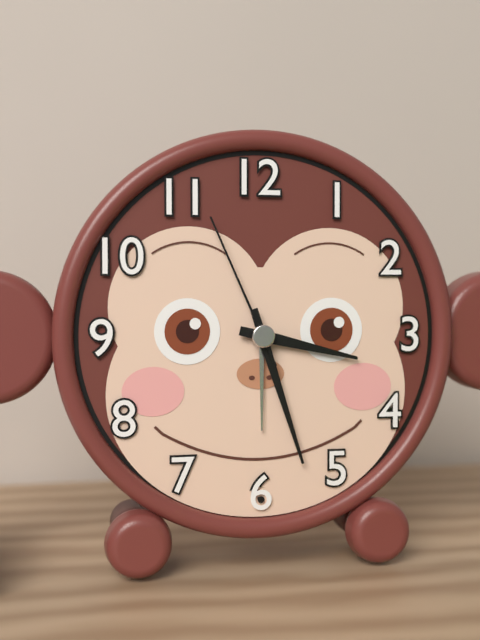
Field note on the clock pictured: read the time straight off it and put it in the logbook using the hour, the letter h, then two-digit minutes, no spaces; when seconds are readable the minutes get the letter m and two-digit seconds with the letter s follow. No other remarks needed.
3h27m56s
